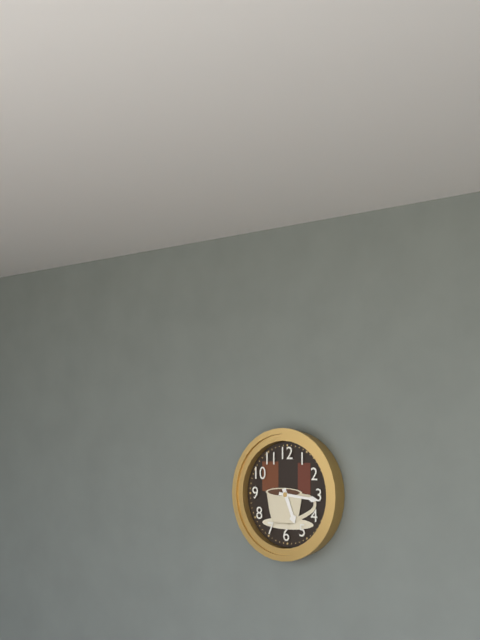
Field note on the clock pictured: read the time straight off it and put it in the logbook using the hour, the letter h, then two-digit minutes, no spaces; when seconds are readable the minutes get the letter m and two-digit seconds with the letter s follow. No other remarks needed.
5h16
